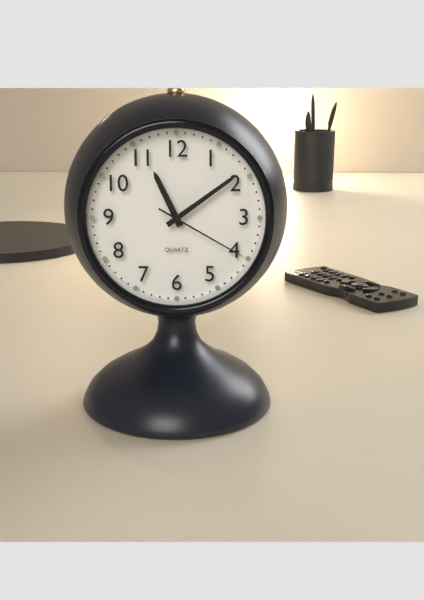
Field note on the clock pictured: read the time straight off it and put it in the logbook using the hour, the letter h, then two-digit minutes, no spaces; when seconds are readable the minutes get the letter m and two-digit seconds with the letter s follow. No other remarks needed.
11h09m20s
